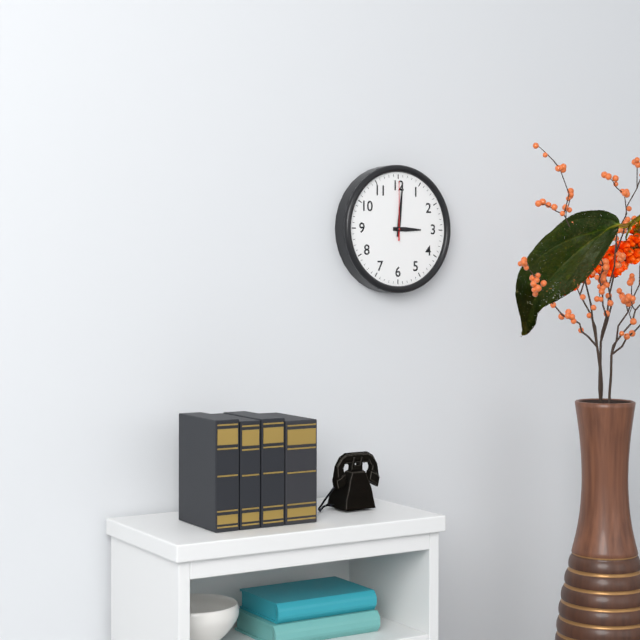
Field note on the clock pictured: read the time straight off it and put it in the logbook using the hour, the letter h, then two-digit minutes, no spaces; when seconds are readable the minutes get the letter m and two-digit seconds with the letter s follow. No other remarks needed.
3h01m00s
